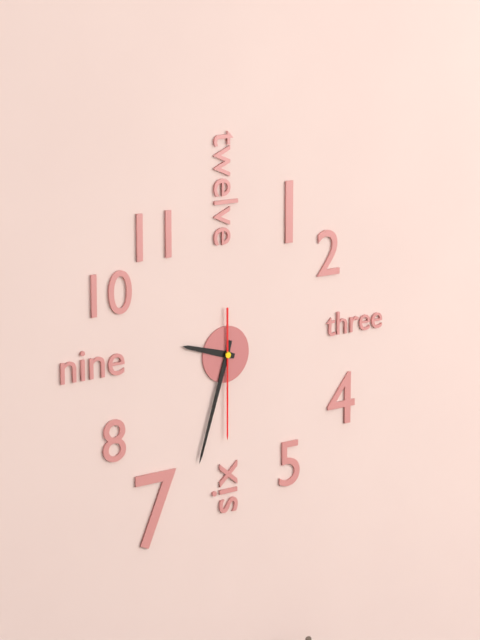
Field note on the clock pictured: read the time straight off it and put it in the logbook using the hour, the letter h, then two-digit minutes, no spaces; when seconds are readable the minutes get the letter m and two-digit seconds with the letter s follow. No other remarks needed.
9h33m30s
